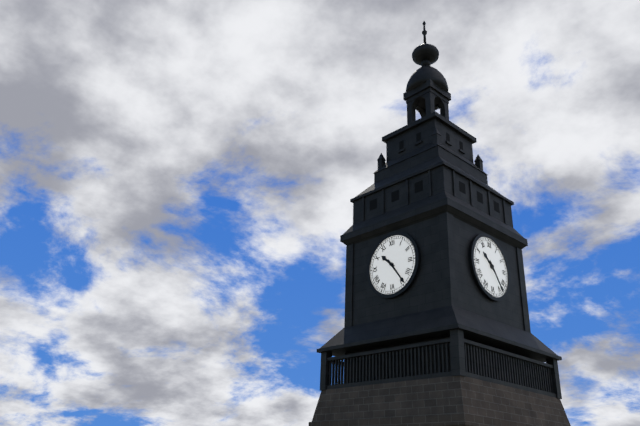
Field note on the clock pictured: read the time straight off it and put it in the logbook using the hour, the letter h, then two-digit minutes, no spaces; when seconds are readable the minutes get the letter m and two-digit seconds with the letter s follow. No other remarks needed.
10h24
